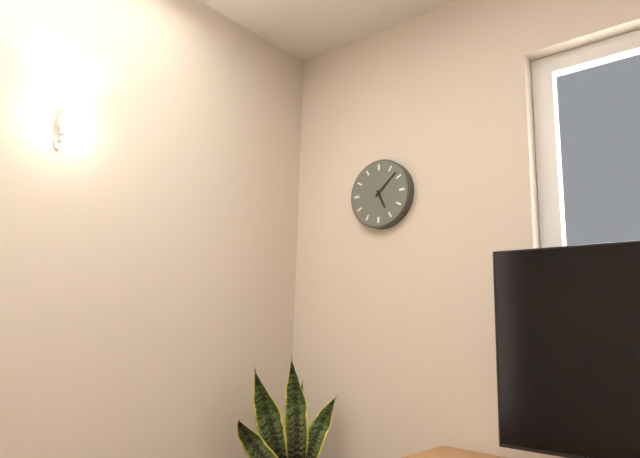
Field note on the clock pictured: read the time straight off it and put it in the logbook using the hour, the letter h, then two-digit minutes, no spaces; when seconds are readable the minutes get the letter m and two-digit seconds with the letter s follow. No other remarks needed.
5h08
